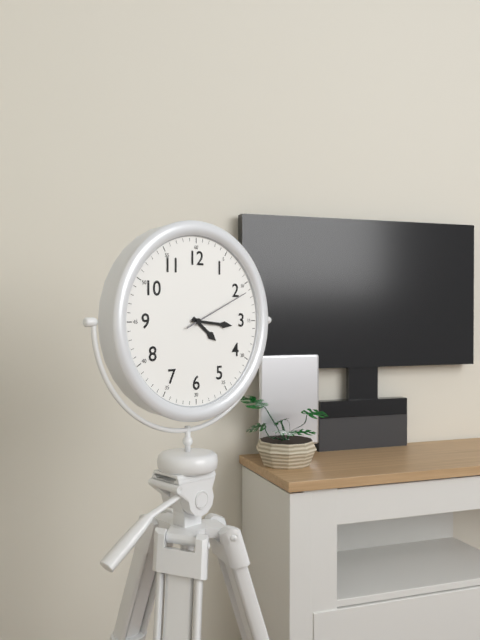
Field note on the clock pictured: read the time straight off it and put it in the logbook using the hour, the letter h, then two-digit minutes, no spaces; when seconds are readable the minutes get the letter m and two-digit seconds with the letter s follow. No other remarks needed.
4h16m11s
